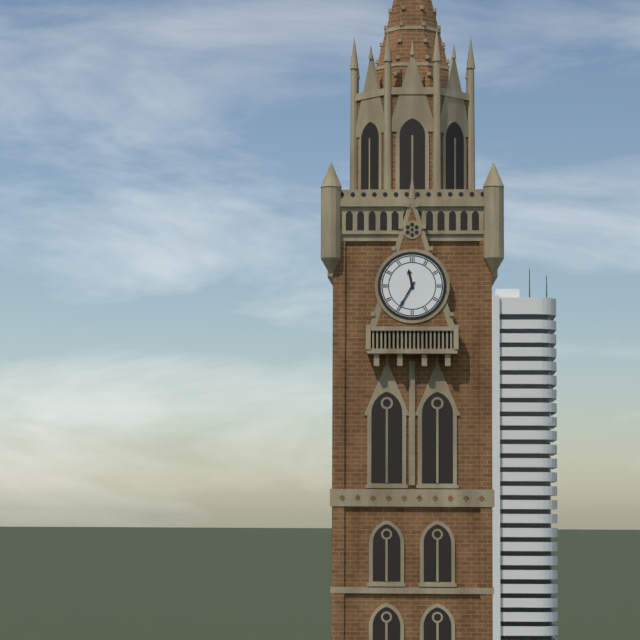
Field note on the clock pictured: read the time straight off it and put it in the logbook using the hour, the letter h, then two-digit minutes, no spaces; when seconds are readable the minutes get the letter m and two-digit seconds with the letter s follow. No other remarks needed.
11h35
